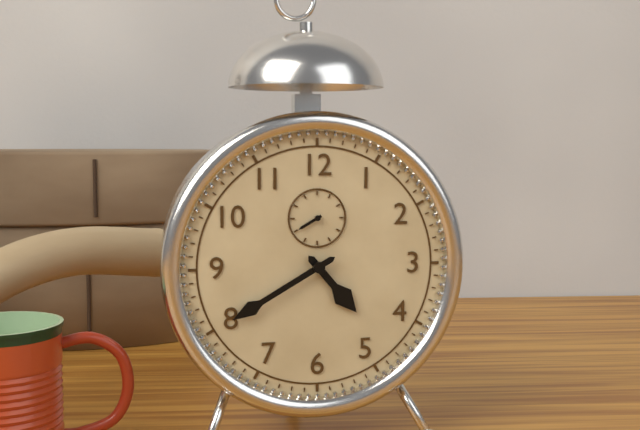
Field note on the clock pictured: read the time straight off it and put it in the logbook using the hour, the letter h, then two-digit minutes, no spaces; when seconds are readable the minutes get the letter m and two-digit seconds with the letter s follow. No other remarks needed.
4h40
